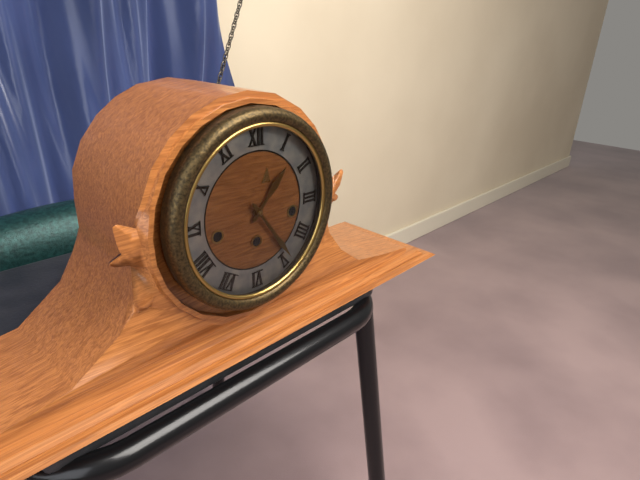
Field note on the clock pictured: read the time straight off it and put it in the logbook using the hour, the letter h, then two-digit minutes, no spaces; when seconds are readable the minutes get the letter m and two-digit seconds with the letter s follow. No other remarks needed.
1h24
